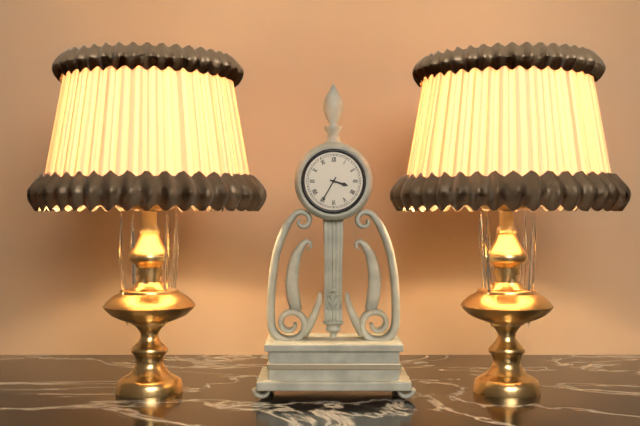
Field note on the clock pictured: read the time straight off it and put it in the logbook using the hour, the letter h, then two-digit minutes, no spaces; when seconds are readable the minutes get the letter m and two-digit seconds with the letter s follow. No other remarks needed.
3h35
